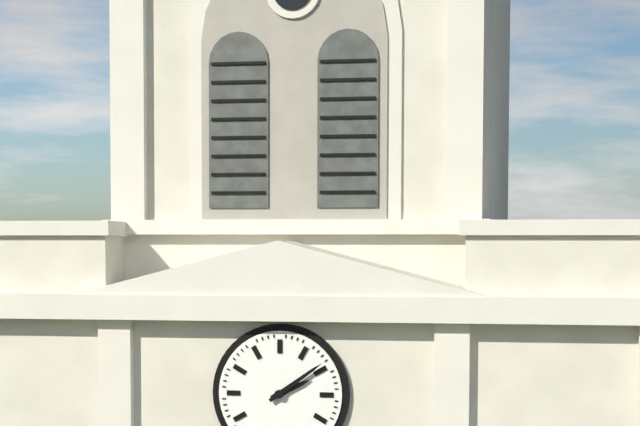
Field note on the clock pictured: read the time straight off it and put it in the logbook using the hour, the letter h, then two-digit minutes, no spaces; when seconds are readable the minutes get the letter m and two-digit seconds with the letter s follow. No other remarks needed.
2h09
